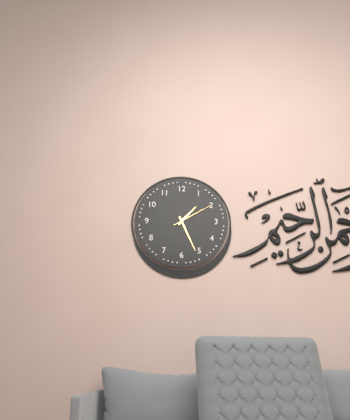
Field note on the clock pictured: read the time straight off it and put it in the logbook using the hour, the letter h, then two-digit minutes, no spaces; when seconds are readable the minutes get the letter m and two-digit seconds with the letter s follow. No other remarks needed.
1h26
